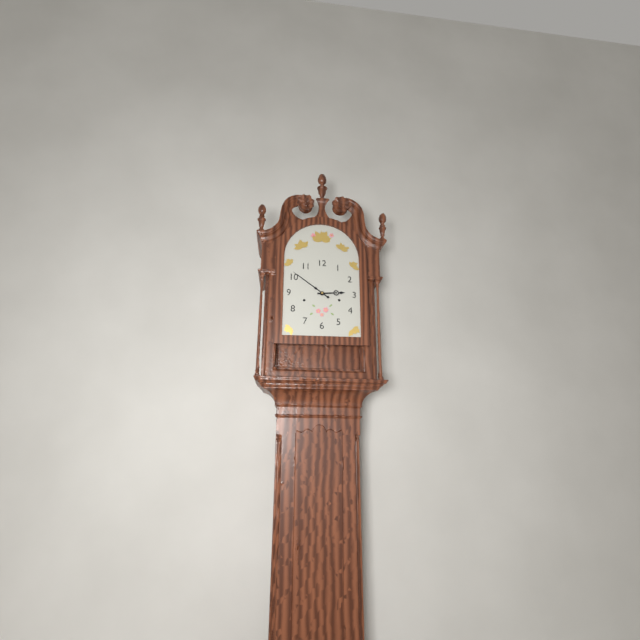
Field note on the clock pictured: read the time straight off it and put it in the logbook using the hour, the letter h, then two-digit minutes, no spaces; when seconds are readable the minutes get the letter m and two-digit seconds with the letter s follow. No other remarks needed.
2h51
